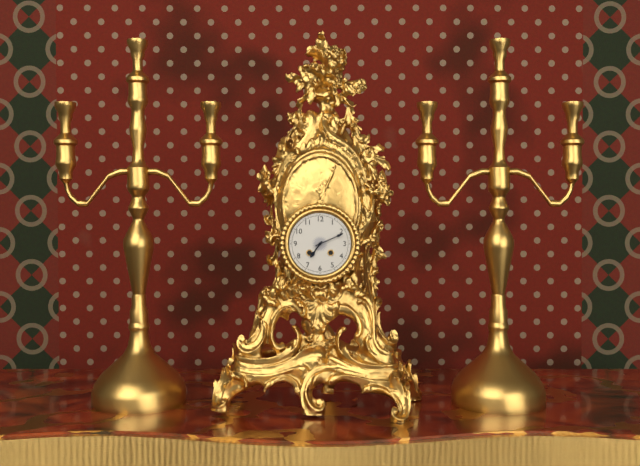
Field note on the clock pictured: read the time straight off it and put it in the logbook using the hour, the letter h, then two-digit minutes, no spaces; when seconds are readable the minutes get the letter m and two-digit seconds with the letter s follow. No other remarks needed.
7h11
